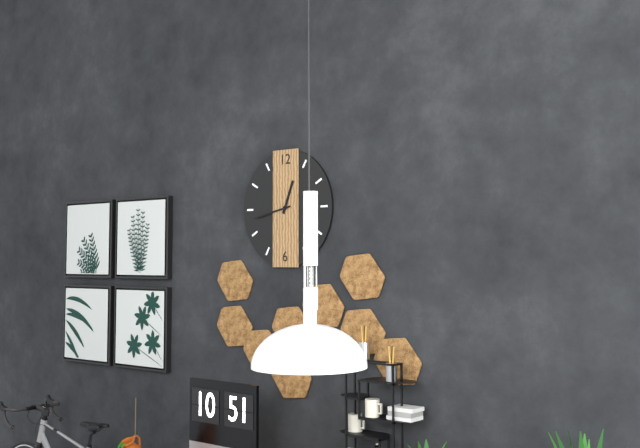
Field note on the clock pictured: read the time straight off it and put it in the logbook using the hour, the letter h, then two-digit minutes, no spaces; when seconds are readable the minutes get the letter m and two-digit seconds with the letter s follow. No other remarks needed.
12h43
